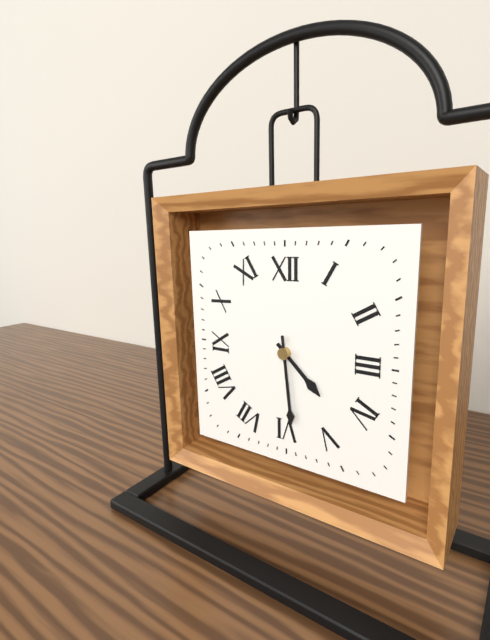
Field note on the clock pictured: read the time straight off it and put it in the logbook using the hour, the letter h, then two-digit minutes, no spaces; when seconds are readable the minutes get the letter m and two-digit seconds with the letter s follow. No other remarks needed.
4h29
